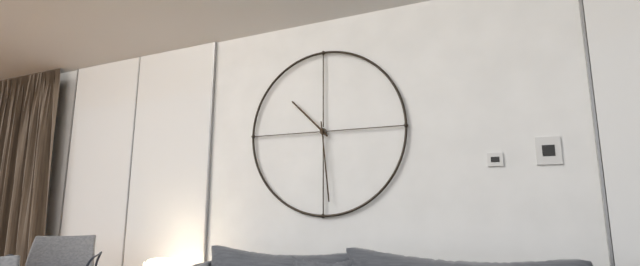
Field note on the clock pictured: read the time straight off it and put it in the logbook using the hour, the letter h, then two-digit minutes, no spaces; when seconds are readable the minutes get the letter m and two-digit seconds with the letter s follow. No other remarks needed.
10h29
